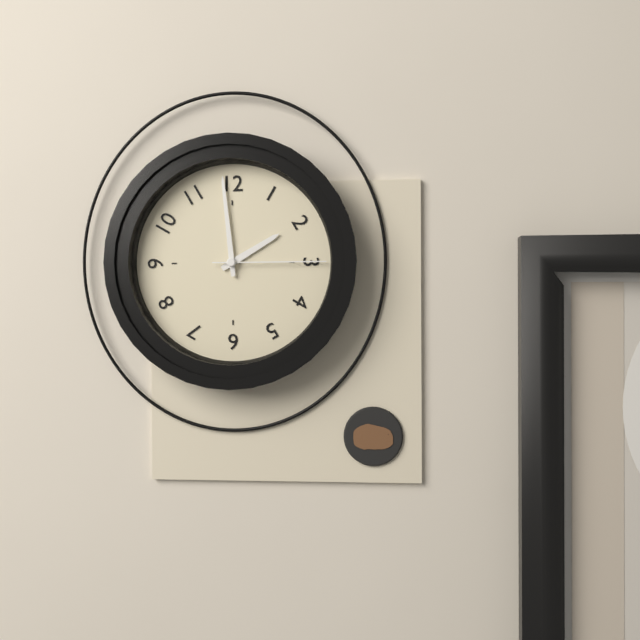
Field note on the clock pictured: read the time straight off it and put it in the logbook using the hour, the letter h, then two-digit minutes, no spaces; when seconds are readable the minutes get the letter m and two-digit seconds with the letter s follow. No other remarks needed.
1h59m15s
